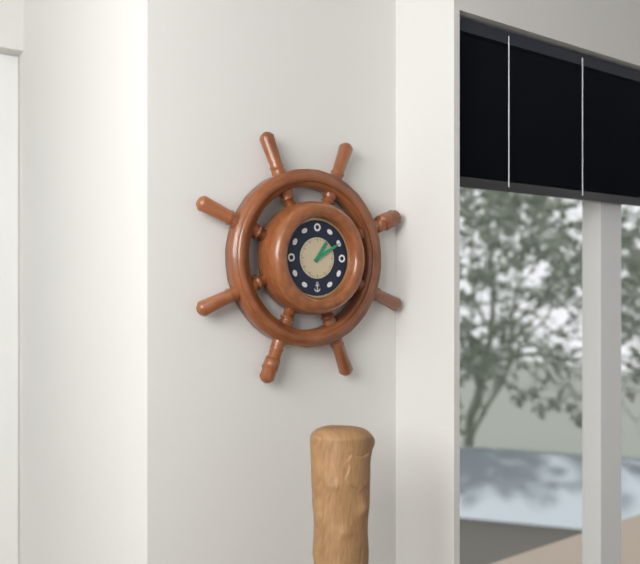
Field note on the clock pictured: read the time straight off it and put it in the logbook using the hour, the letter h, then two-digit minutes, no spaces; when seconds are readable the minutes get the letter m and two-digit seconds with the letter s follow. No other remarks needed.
1h10
